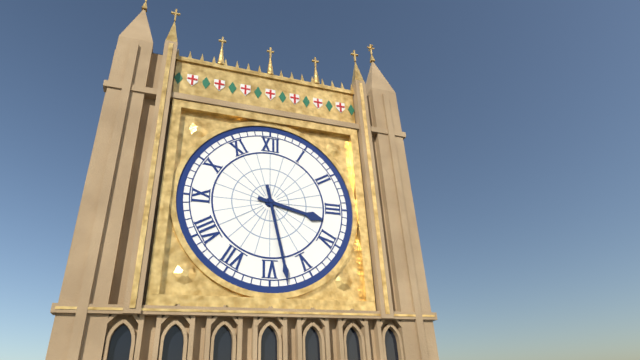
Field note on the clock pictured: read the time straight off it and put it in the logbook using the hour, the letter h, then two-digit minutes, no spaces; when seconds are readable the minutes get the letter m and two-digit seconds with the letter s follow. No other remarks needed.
3h28
